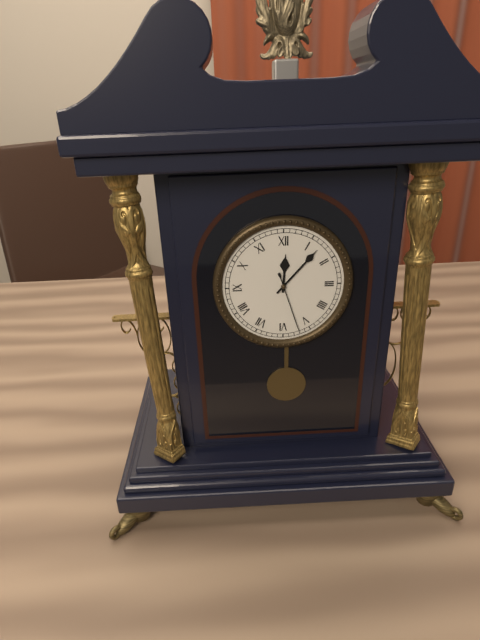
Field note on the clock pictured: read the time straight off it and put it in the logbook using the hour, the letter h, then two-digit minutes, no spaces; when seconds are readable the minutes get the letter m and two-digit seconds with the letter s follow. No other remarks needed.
12h07m27s
